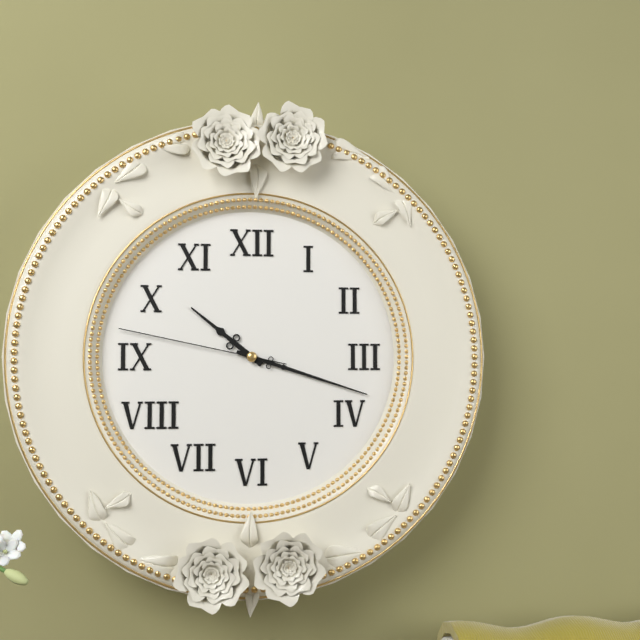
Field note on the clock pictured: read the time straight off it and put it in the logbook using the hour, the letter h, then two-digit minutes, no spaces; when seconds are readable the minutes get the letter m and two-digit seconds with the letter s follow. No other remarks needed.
10h18m47s
